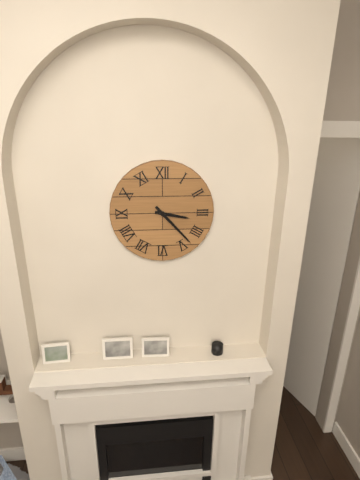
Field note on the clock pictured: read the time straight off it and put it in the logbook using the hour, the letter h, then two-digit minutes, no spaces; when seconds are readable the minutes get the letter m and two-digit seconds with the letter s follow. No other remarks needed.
3h23
